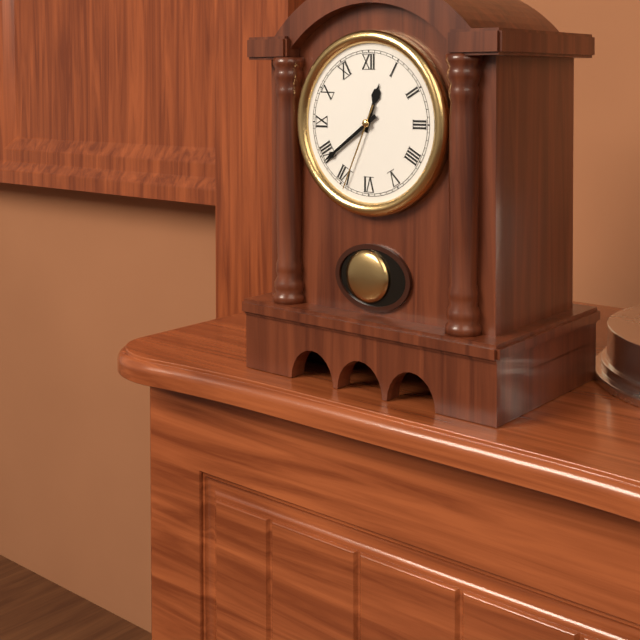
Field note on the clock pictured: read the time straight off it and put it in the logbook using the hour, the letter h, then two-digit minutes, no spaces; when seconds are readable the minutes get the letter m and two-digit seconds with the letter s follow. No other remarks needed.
12h39m34s
